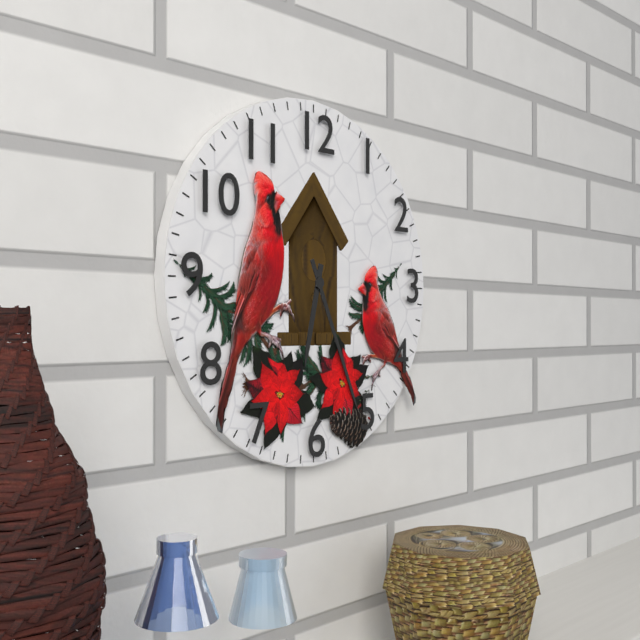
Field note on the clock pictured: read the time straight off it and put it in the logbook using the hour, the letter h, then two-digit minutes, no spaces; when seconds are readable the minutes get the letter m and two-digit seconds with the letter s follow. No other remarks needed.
6h26
